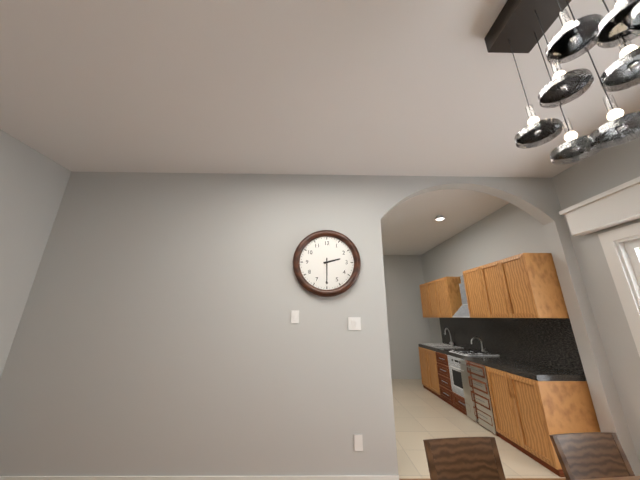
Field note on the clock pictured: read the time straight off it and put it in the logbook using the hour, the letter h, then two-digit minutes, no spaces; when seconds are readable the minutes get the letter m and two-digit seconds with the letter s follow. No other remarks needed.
2h30
